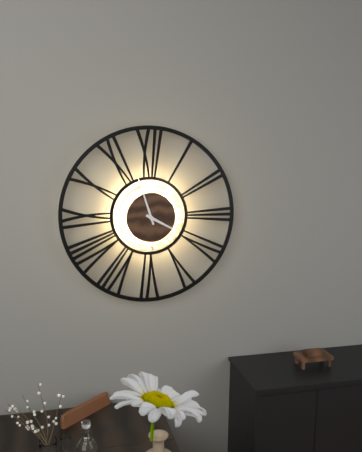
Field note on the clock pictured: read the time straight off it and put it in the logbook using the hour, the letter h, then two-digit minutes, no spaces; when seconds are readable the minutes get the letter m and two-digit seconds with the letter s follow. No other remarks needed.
3h57
